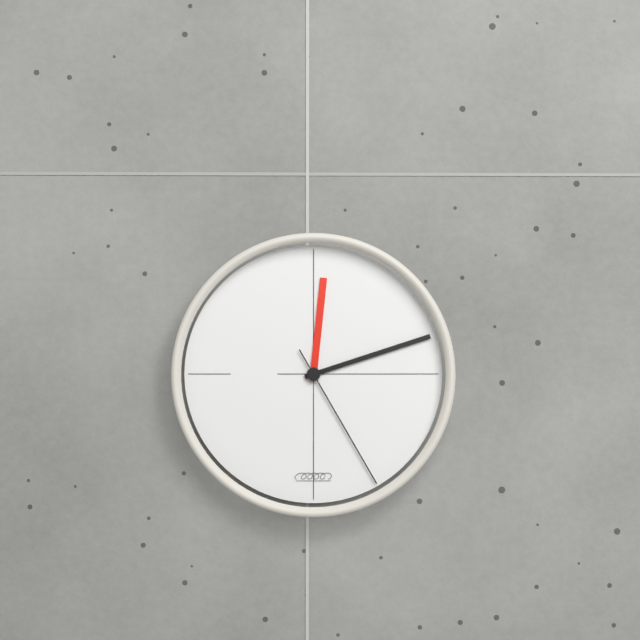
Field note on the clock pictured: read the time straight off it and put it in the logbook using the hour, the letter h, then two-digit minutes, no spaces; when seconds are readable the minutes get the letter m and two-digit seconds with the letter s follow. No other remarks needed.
12h12m25s
